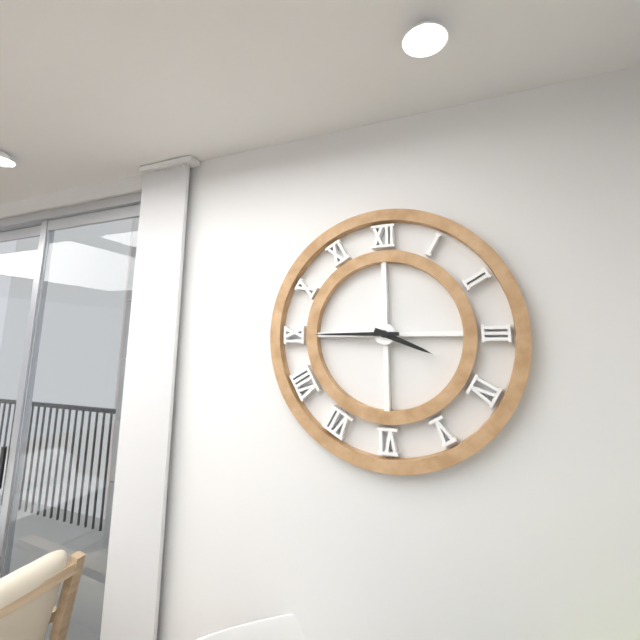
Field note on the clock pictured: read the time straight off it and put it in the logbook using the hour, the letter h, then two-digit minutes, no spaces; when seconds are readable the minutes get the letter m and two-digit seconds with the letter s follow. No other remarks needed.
3h45
